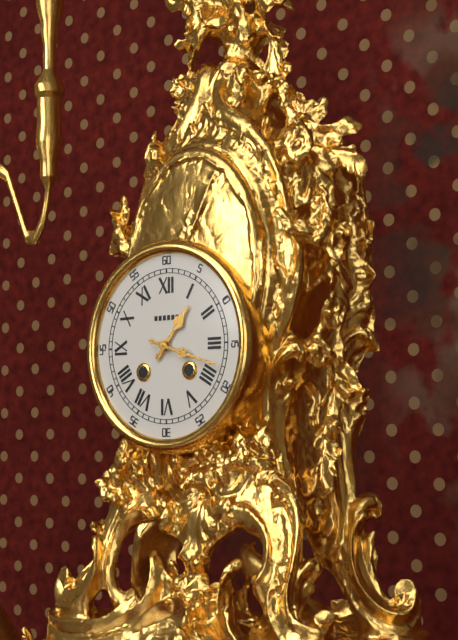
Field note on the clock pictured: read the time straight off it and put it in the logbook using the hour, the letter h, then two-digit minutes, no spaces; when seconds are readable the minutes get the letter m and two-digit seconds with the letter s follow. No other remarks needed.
1h18
